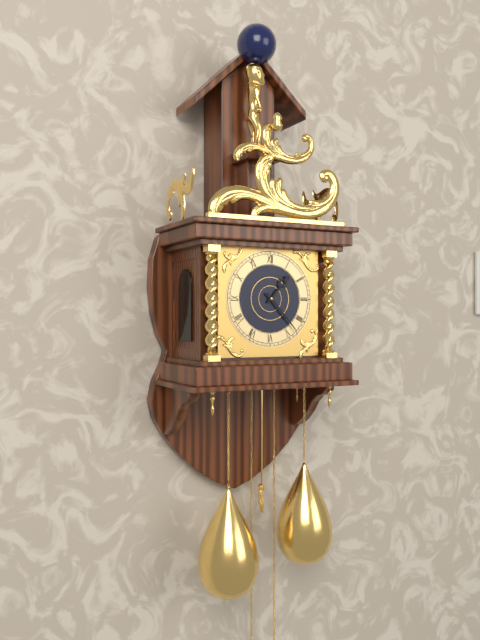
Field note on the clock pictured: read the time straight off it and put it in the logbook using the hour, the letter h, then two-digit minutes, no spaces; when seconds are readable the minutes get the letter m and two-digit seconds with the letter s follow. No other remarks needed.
1h23
